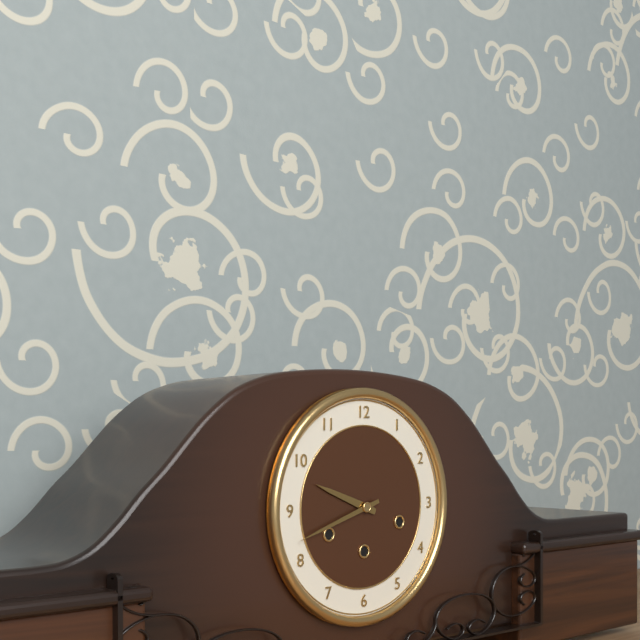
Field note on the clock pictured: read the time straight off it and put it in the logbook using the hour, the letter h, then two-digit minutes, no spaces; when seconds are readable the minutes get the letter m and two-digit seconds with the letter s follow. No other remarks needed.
9h42
